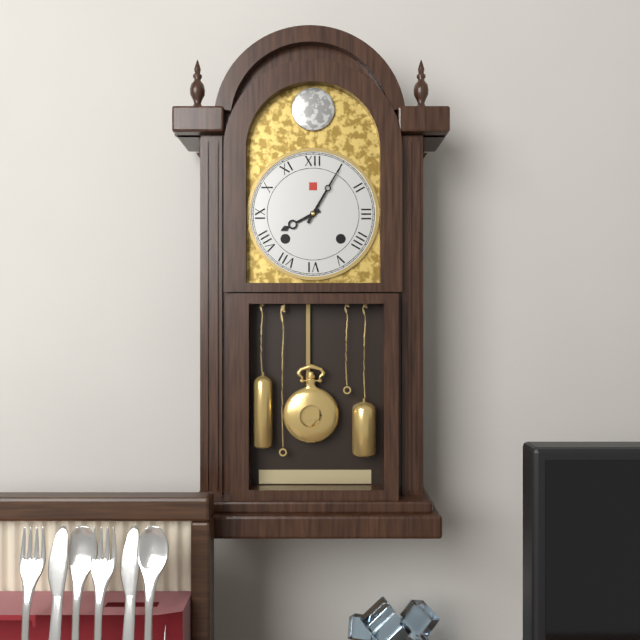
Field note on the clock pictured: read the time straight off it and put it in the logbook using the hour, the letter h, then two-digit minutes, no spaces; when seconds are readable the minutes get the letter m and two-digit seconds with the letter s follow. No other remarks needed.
8h05
